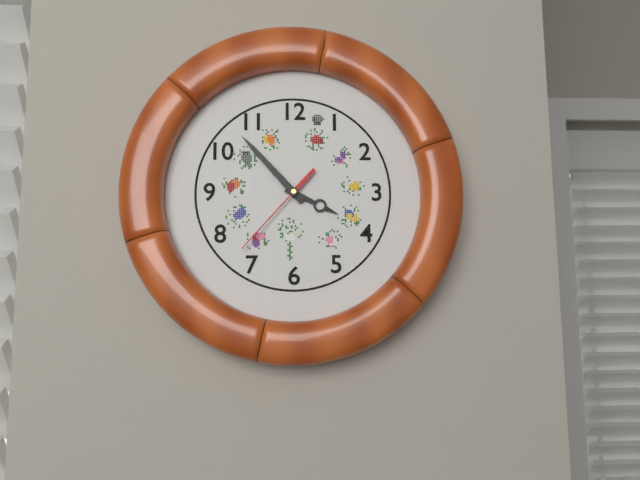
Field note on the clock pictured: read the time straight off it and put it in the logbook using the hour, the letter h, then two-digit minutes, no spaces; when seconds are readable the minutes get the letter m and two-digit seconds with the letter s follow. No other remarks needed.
3h53m37s
